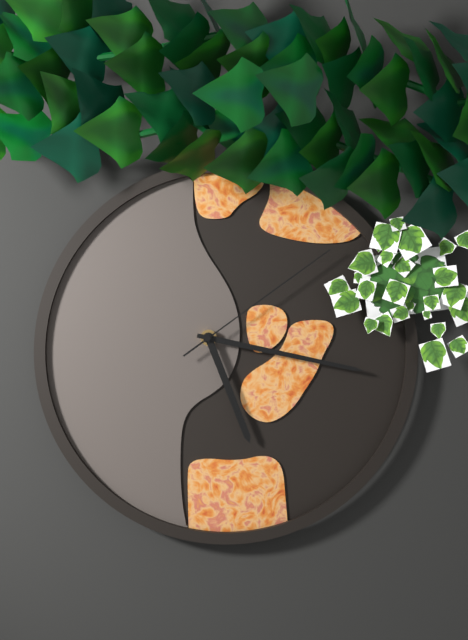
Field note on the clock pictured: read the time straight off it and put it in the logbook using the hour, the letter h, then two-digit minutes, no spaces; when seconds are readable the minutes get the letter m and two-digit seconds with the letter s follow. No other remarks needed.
5h17m09s
